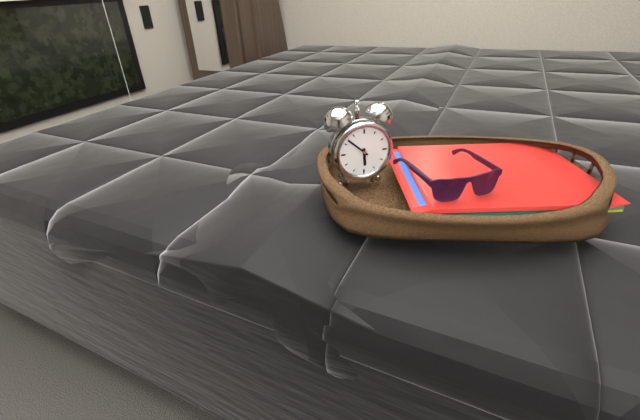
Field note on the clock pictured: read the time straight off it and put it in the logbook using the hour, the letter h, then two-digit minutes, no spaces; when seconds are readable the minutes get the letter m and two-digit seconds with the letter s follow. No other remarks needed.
5h52
